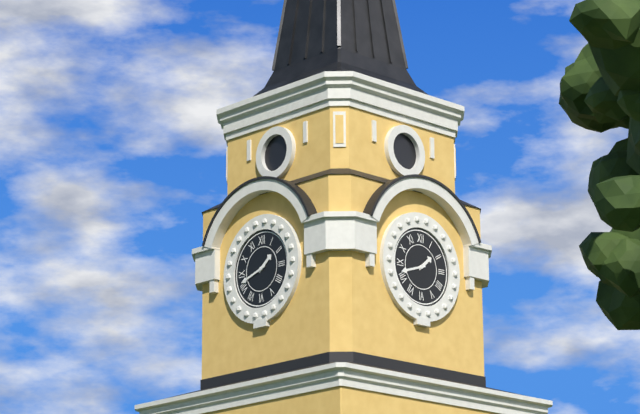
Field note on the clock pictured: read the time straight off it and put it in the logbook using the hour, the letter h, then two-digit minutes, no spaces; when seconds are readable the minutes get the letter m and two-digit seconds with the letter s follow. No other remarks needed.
1h42
